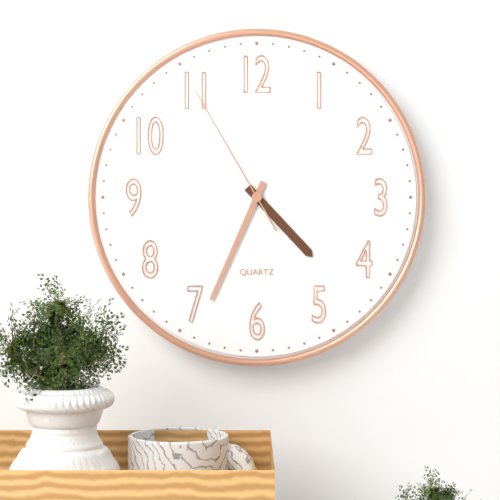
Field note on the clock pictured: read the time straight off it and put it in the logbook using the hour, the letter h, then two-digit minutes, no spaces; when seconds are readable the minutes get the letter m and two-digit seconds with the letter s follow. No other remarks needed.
4h34m55s
